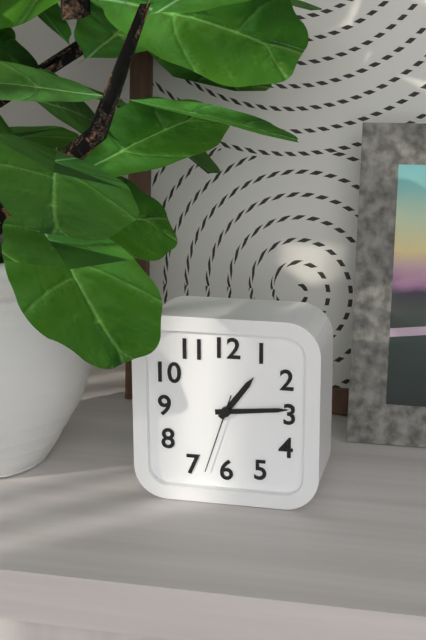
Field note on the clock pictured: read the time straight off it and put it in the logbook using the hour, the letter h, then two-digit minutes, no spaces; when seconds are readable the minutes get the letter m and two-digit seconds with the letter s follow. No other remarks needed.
1h14m33s
